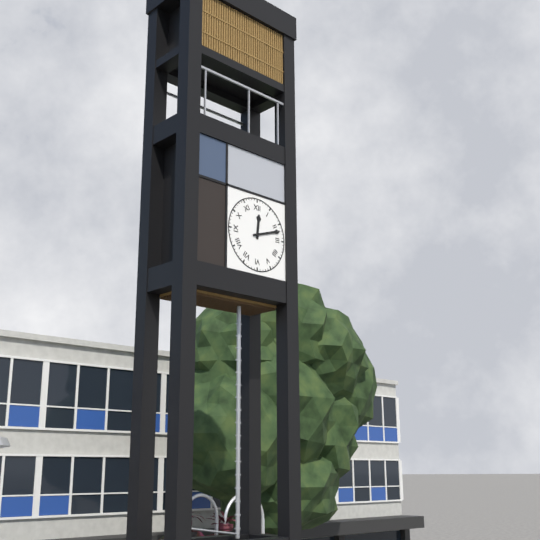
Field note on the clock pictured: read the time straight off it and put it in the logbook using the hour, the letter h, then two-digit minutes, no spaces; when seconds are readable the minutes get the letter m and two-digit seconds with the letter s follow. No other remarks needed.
12h12
